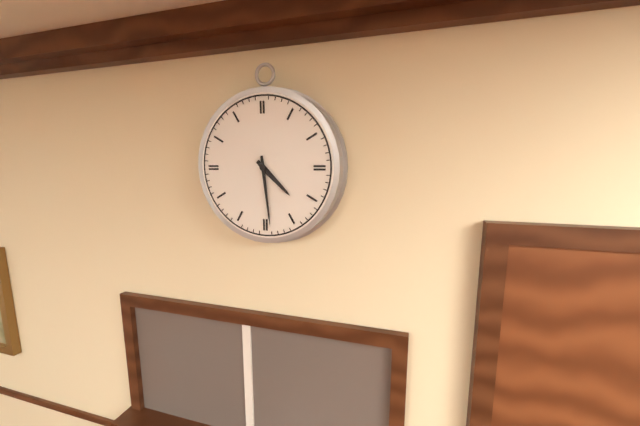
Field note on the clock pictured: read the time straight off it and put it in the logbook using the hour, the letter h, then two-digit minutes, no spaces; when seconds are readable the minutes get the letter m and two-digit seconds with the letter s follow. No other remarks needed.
4h29
